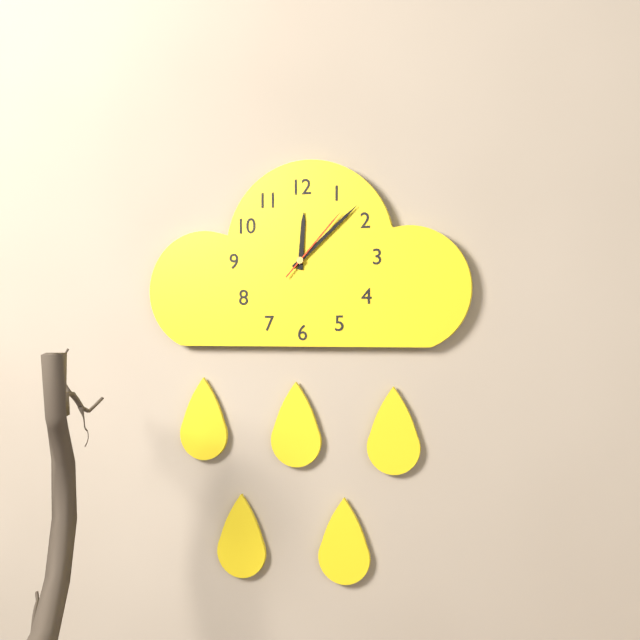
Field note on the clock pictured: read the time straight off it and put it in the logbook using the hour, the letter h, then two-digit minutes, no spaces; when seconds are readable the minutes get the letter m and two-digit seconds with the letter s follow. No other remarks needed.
12h08m07s
